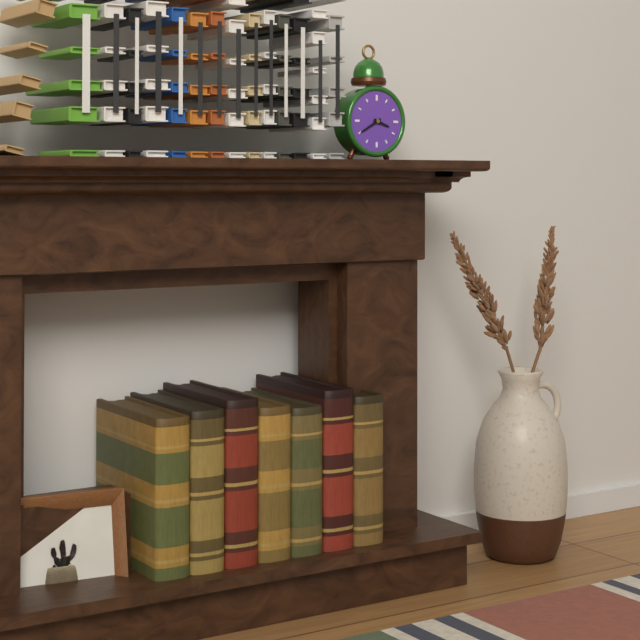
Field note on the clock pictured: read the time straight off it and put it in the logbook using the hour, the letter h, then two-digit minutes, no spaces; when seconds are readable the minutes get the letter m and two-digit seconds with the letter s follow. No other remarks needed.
3h40
